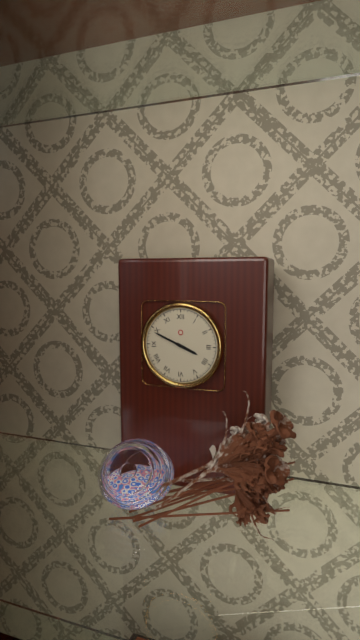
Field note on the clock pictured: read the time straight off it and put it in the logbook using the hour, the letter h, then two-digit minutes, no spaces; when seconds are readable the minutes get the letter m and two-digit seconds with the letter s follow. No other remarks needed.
3h49
